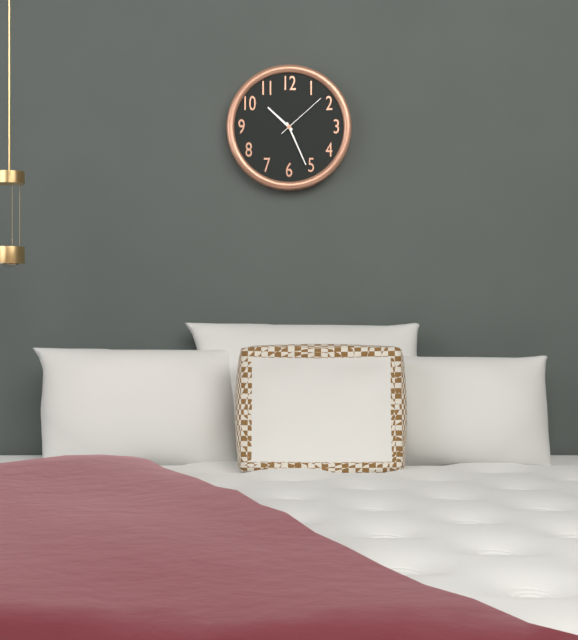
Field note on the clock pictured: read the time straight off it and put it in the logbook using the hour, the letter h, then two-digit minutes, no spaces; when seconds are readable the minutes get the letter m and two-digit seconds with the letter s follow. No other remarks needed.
10h26m08s
